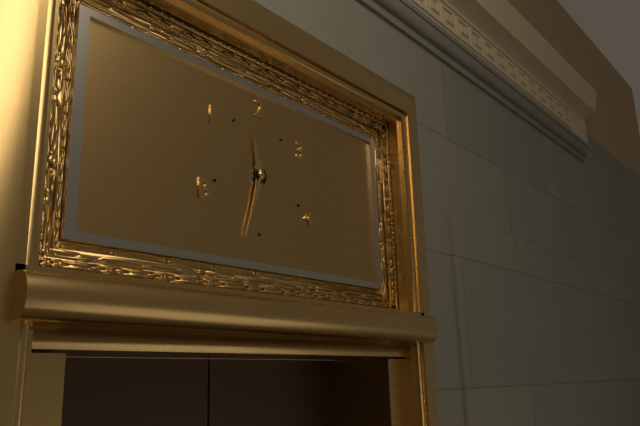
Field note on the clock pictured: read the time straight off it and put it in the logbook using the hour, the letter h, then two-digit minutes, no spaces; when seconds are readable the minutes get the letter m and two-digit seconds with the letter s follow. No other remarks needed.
11h33
